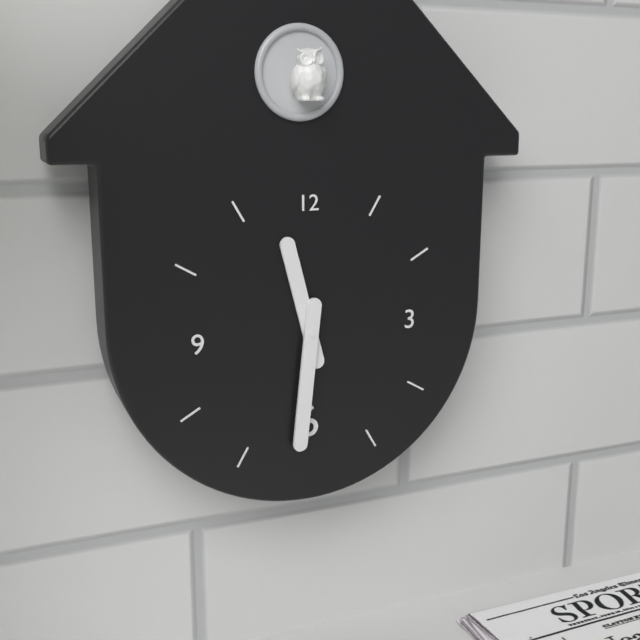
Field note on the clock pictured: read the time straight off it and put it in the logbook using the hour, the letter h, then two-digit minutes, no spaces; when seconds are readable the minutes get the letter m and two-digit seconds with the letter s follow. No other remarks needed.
11h31
